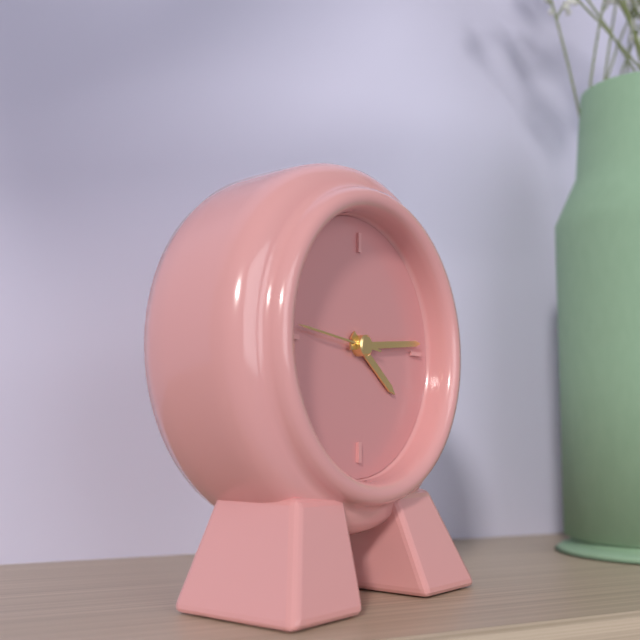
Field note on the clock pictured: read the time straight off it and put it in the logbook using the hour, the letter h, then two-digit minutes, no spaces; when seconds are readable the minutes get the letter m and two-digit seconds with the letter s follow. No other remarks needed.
4h14m46s
